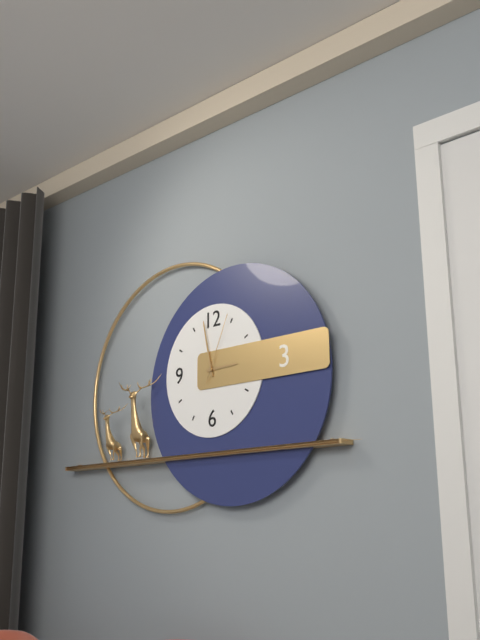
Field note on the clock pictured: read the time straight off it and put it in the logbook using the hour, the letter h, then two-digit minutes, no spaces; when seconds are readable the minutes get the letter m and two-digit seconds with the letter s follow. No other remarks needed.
2h58m04s
